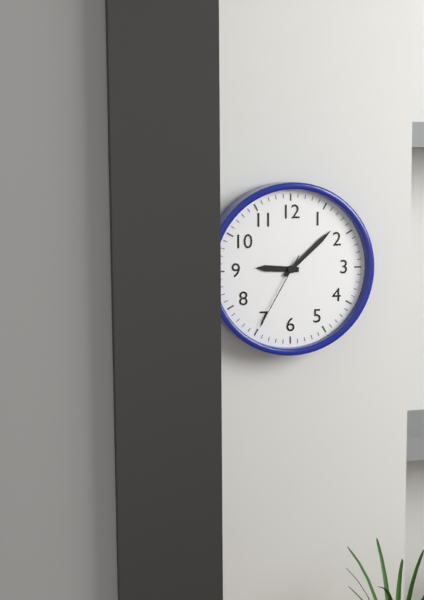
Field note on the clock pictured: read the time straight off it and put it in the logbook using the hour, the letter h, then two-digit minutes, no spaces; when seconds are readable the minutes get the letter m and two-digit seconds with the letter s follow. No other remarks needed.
9h08m35s
